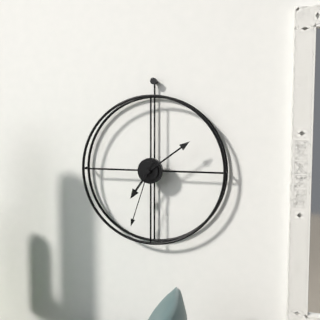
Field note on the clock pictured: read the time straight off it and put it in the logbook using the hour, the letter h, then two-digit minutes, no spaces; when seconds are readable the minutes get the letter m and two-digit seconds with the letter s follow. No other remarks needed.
7h09m33s
